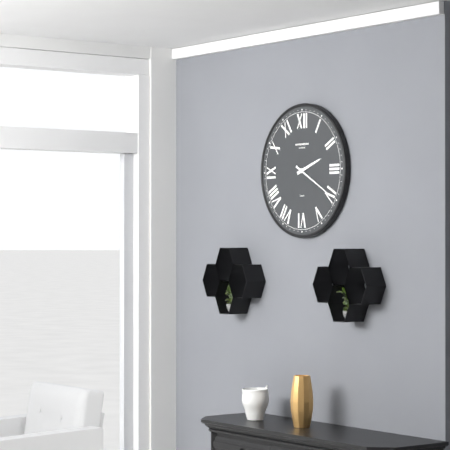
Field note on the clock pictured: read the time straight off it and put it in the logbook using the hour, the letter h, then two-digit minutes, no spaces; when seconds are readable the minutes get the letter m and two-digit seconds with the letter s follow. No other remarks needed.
2h20
